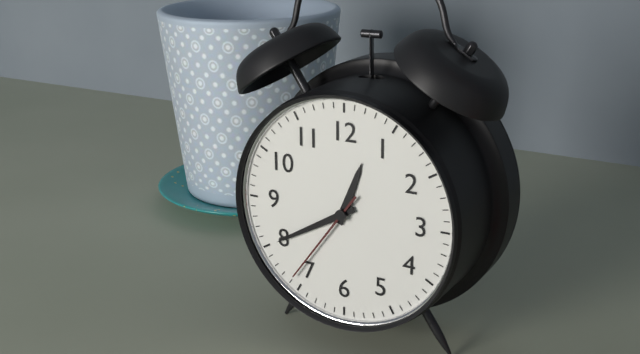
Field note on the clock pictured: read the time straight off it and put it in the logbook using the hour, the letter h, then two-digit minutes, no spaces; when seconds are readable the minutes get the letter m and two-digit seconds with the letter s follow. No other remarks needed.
12h40m36s
